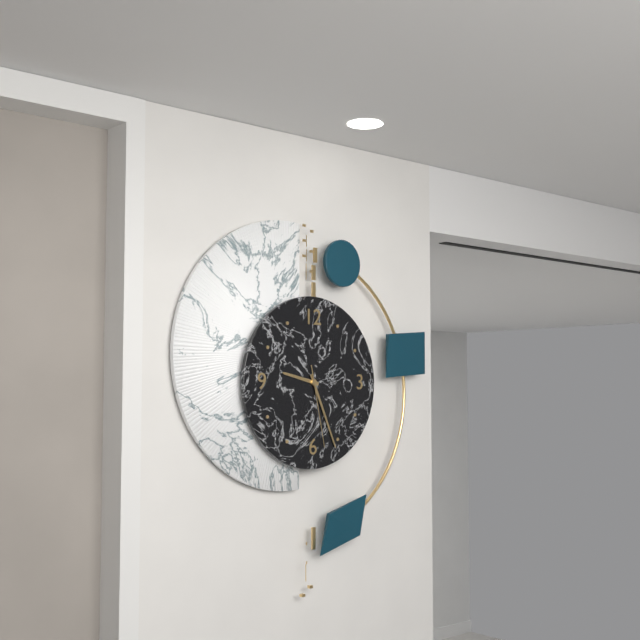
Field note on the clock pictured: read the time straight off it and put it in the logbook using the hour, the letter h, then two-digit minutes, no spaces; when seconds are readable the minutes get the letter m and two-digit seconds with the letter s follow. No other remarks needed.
9h26m28s
